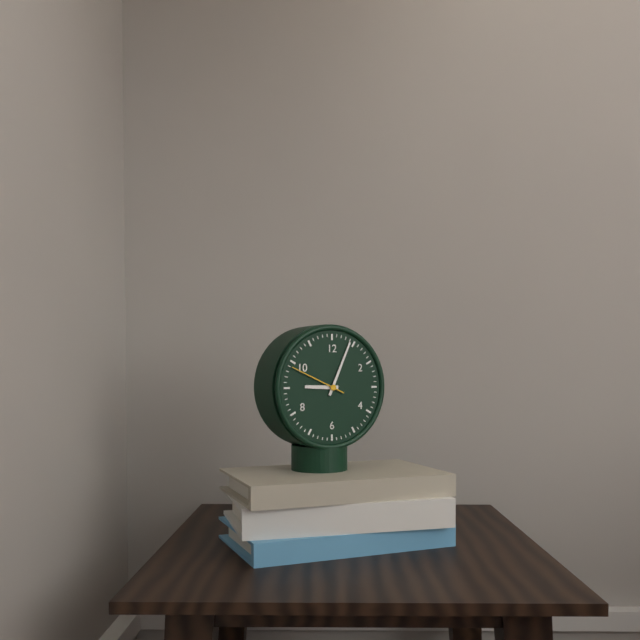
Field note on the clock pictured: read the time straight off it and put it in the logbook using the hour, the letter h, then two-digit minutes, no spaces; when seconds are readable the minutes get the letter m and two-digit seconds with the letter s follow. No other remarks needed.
9h04m49s
